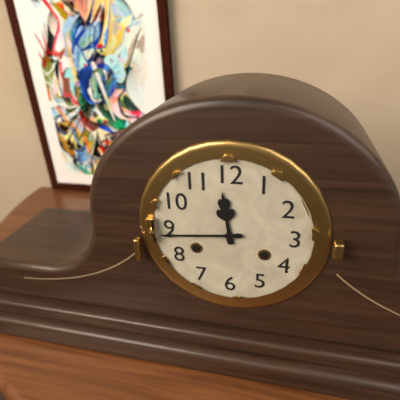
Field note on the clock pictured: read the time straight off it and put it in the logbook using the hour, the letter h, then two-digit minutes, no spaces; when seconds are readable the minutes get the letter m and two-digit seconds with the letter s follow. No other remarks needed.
11h44
